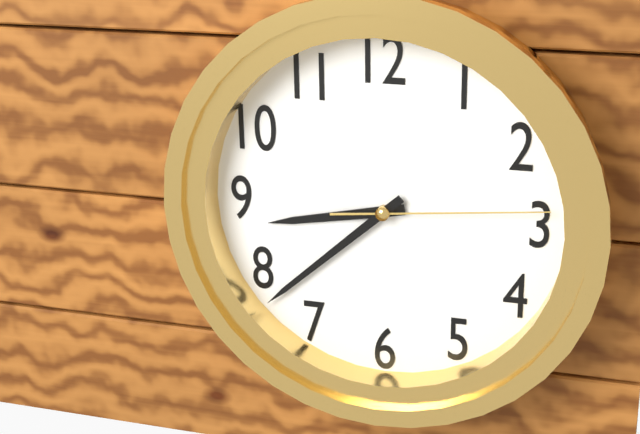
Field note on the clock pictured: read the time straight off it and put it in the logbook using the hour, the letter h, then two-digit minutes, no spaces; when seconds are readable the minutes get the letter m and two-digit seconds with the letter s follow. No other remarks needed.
8h38m14s
